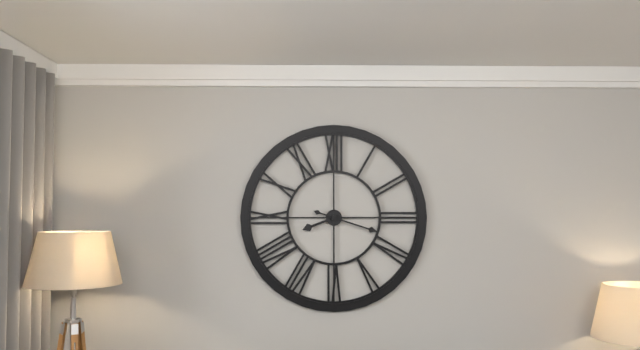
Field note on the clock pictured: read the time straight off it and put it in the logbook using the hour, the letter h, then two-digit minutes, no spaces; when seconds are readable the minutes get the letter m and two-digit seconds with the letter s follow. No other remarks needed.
8h18
